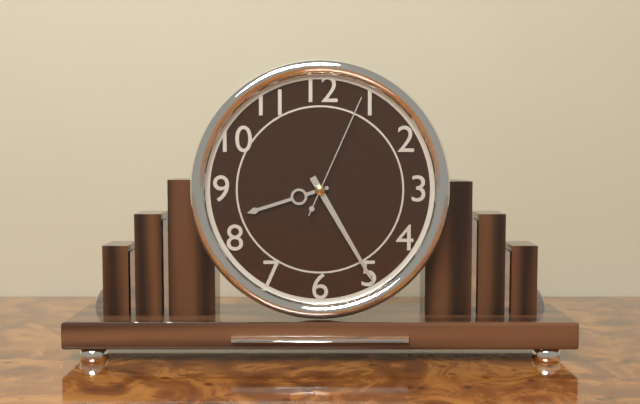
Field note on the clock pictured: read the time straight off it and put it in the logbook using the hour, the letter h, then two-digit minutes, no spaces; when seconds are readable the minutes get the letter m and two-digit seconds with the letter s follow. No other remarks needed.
8h25m04s
